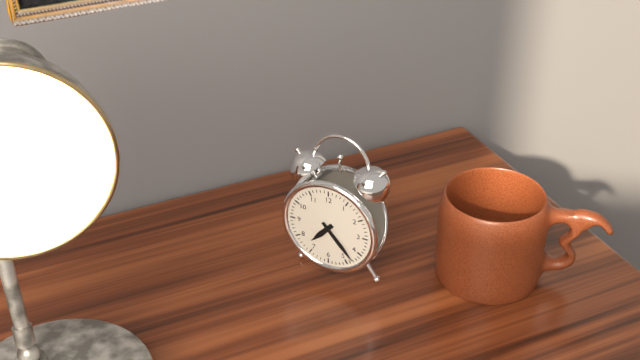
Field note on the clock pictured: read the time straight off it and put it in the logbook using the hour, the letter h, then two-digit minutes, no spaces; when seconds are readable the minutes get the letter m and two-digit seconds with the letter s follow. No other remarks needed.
7h23
